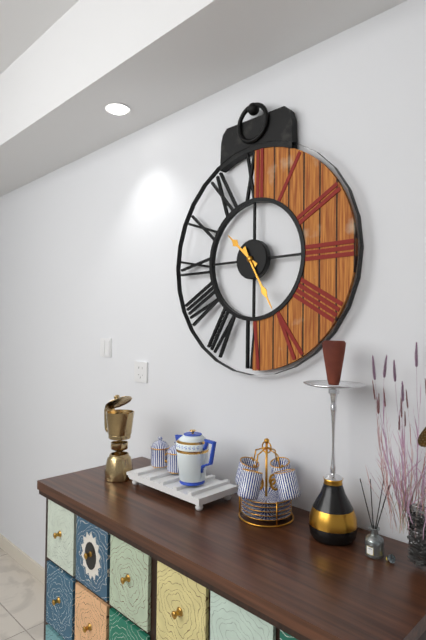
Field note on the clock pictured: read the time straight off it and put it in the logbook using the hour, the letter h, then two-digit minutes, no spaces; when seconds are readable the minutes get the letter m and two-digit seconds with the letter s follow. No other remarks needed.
10h25
